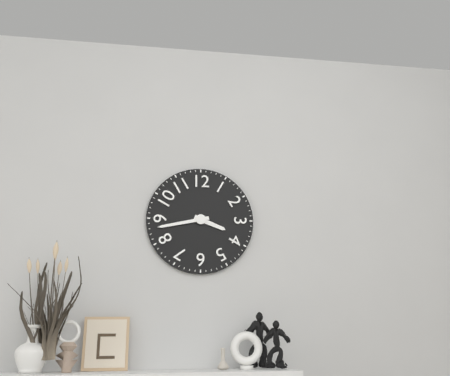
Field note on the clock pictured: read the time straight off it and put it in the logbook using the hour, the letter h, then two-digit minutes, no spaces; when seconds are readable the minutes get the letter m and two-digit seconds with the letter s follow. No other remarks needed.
3h43
